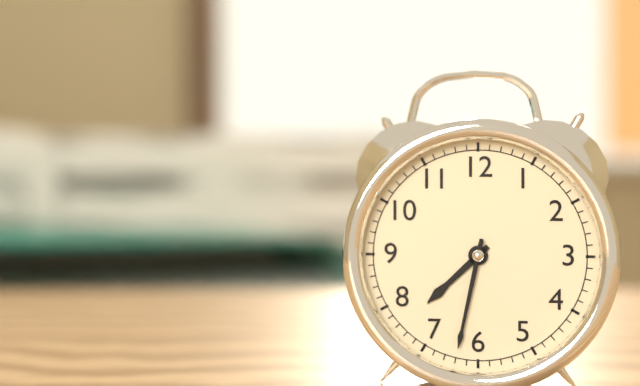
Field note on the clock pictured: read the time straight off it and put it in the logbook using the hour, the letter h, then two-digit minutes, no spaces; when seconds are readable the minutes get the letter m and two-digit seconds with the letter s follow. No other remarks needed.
7h32
